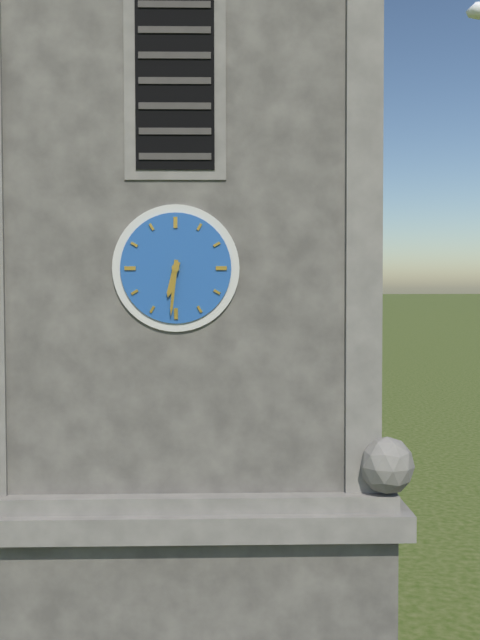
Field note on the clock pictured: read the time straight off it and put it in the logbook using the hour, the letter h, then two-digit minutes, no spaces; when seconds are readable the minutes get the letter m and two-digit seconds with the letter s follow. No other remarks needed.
6h31
